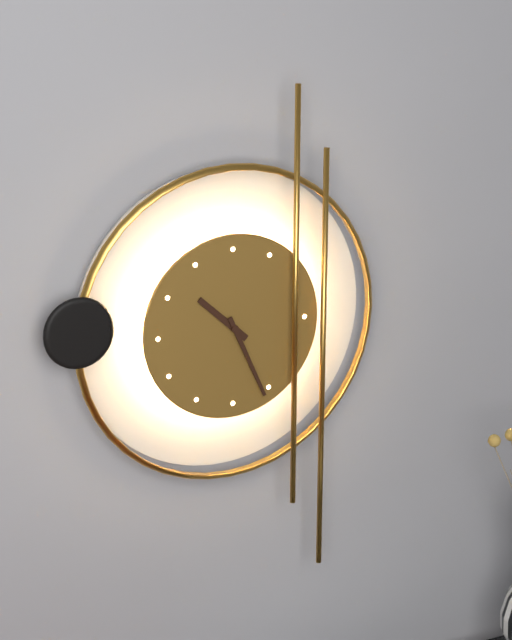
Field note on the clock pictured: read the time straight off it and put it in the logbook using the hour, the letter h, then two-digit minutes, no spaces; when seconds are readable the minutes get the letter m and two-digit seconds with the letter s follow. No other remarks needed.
10h26
